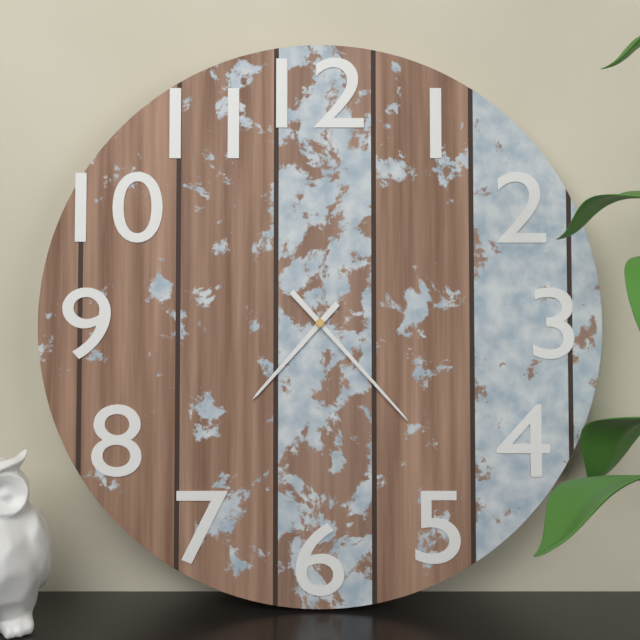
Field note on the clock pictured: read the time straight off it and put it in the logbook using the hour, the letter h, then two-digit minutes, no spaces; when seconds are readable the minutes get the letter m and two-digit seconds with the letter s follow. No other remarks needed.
7h23
